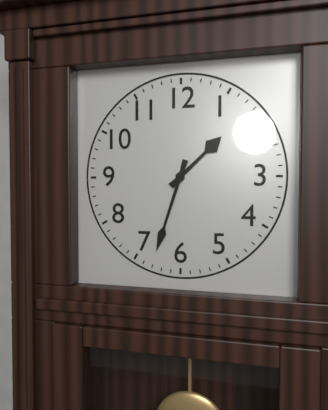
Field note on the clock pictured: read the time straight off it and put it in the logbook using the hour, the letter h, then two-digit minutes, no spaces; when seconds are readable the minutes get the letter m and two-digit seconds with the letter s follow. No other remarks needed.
1h33
